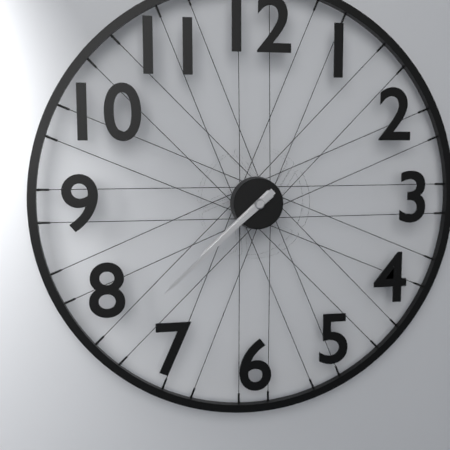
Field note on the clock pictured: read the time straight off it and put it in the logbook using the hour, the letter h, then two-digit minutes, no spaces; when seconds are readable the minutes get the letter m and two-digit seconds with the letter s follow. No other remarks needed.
7h38
